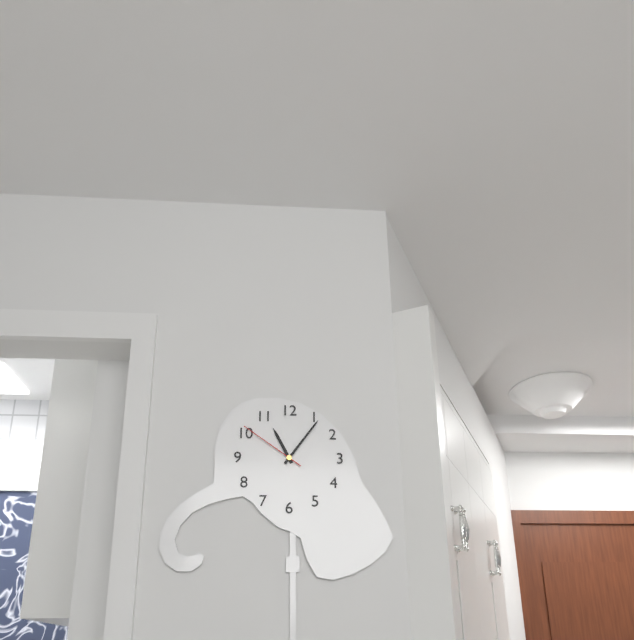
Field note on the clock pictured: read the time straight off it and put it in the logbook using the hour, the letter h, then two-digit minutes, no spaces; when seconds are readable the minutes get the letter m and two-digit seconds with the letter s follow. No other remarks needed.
11h06m51s
